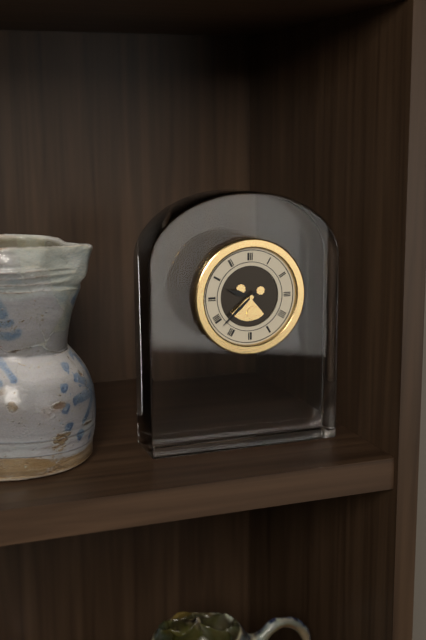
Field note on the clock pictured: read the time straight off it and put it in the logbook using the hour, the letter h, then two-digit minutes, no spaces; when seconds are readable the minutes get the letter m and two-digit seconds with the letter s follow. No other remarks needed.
9h38
